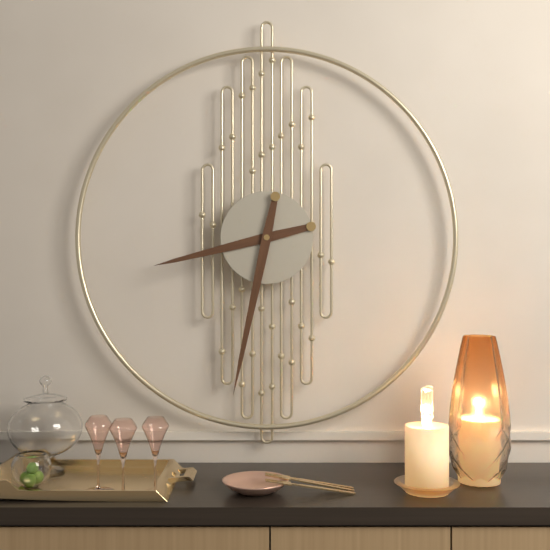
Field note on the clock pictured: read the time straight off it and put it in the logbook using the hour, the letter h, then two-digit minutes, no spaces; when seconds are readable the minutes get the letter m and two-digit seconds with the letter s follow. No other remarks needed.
8h32
